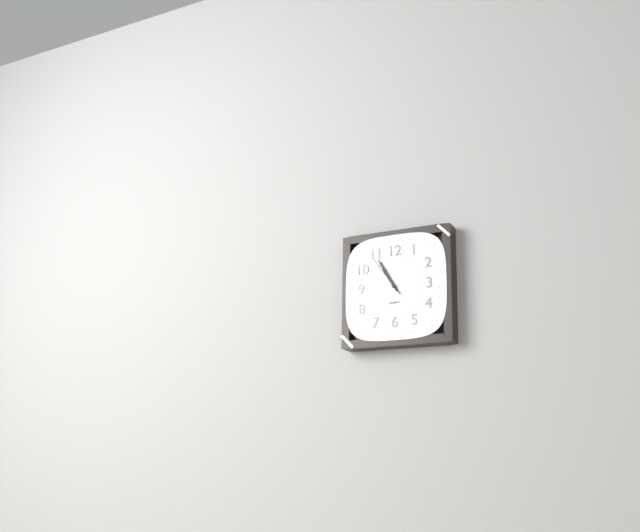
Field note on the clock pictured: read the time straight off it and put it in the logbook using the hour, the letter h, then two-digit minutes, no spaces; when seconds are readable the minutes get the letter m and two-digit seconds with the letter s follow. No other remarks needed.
10h55
